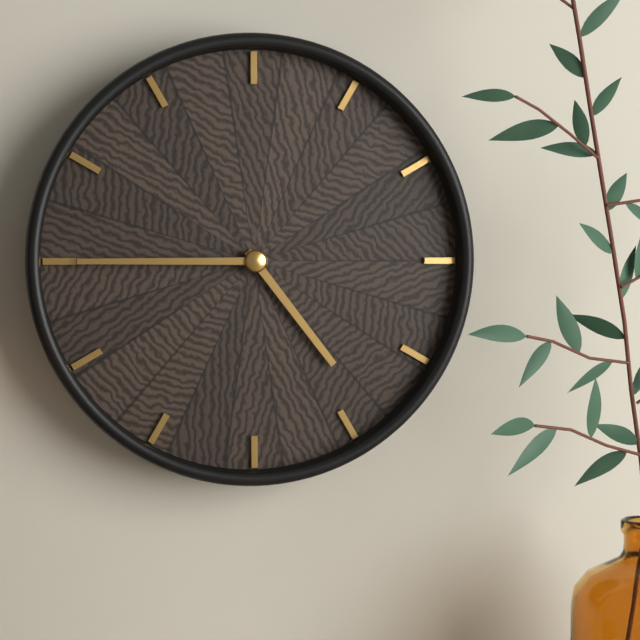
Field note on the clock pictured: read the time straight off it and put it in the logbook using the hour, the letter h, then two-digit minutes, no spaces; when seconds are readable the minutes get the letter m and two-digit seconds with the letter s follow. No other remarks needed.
4h45
